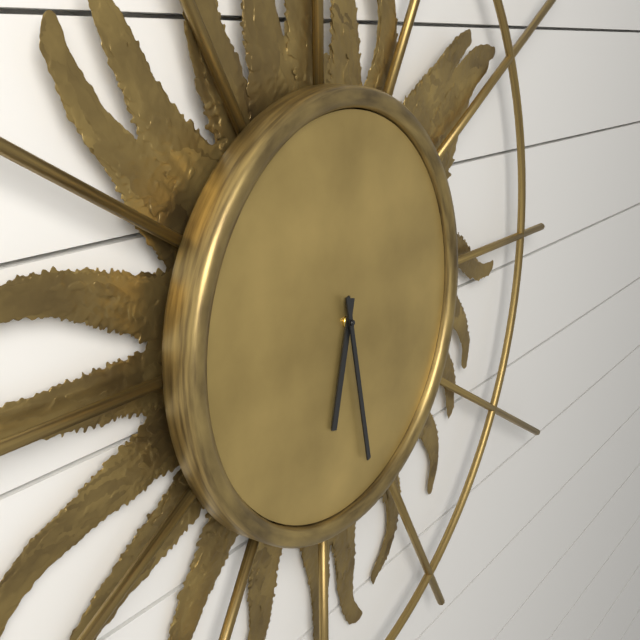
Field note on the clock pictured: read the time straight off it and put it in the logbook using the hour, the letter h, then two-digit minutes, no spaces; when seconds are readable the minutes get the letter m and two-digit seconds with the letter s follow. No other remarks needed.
6h28
